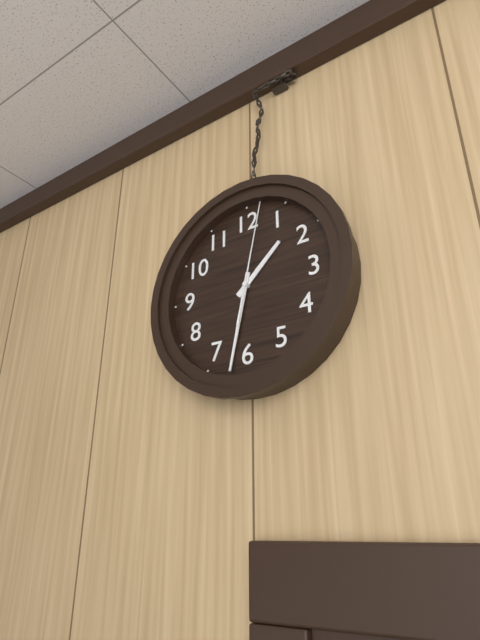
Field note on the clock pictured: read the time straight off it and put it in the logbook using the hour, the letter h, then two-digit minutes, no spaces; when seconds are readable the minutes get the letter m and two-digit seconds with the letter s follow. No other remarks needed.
1h32m02s
